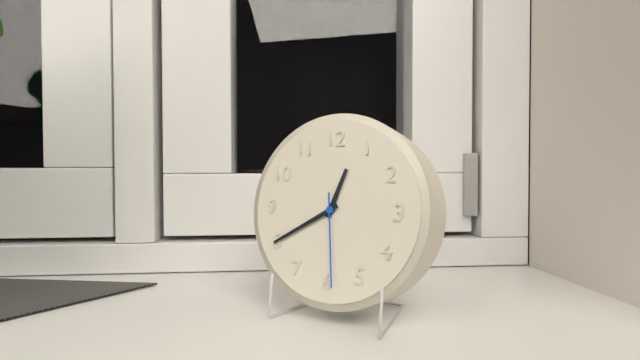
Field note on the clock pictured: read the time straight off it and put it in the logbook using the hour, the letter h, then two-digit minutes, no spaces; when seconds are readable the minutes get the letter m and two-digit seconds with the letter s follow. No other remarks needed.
12h40m29s
